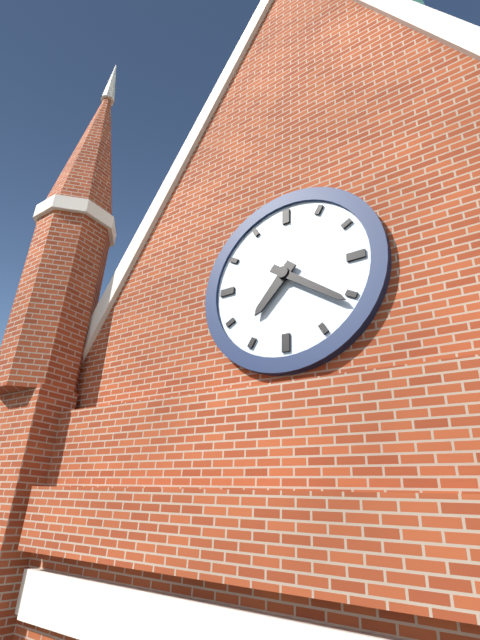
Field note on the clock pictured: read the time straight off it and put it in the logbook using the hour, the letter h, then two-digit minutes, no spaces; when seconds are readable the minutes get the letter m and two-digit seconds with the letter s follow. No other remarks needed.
7h21
